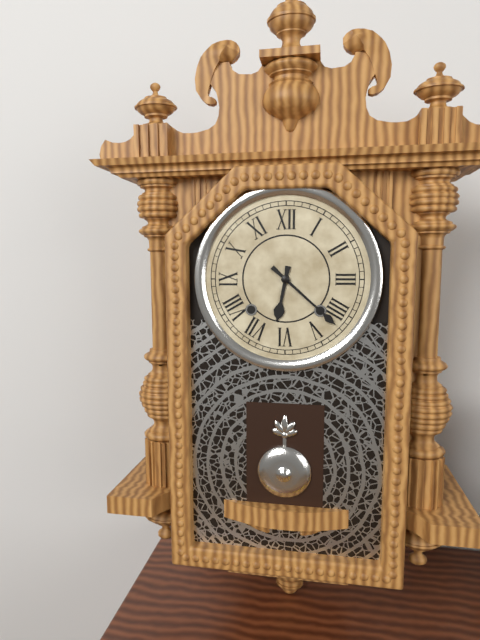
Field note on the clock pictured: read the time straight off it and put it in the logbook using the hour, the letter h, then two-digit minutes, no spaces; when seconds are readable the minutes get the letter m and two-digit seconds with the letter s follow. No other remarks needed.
6h22
